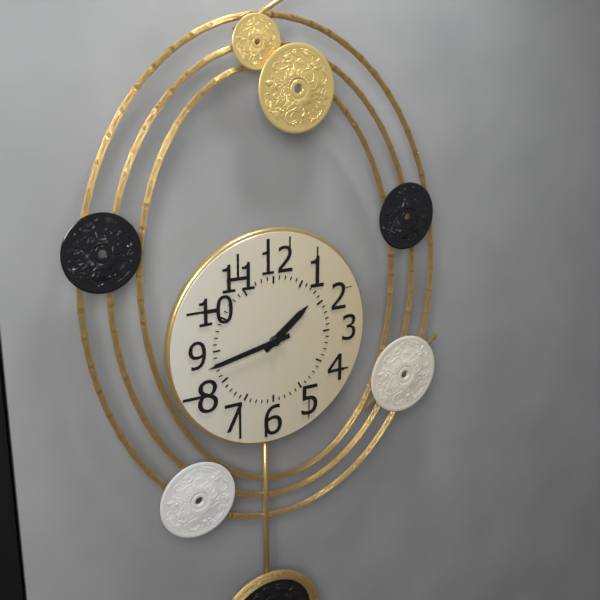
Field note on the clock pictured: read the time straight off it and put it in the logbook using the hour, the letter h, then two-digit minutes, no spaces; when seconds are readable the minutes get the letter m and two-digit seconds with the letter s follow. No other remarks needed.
1h43
